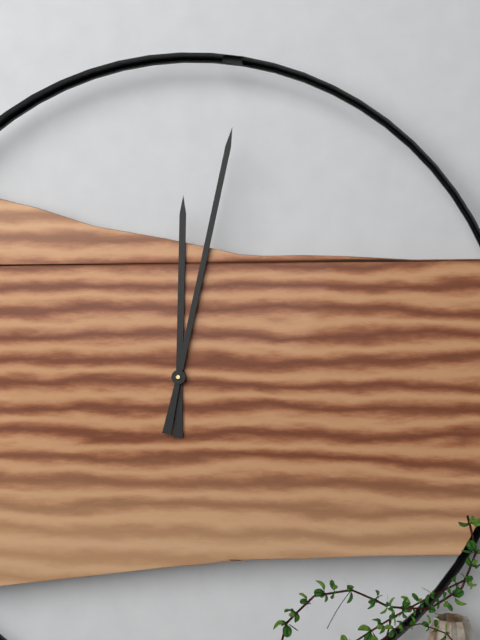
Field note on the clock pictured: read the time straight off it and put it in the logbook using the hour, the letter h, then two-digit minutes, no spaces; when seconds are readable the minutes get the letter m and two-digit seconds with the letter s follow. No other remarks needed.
12h02
